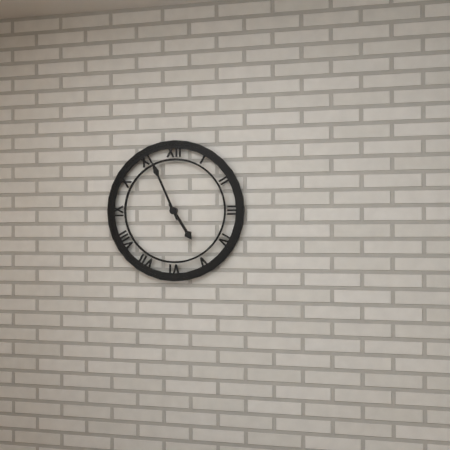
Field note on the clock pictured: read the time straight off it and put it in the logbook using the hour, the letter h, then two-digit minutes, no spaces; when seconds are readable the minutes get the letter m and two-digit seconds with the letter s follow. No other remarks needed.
4h56
